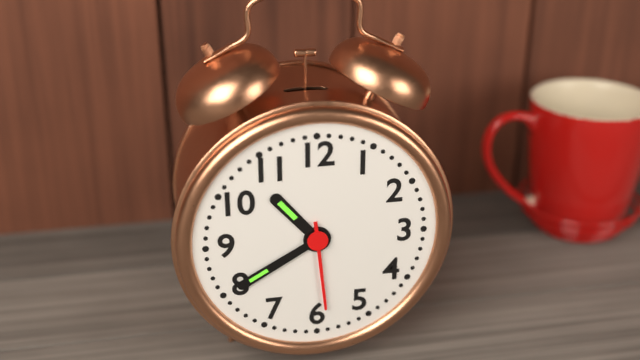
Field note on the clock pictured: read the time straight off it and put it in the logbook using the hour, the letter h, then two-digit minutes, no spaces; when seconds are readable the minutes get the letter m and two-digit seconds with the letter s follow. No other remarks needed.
10h40m29s
